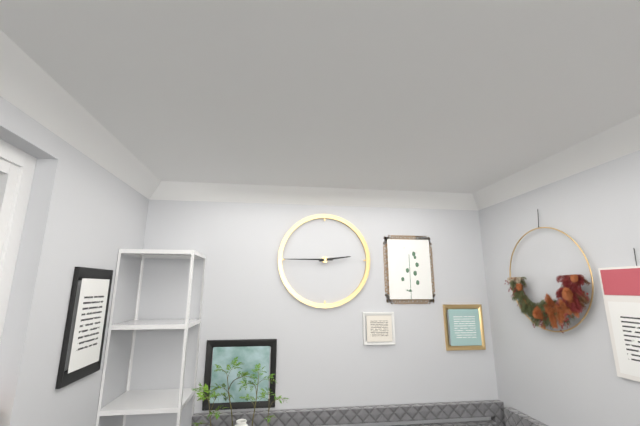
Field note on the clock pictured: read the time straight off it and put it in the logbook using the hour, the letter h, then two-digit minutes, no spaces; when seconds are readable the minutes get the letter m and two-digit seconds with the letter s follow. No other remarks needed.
2h45
